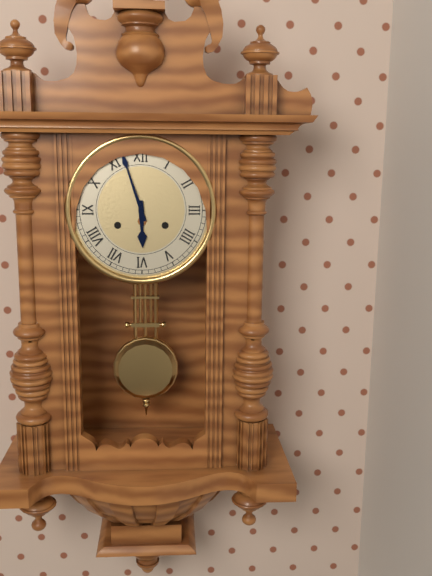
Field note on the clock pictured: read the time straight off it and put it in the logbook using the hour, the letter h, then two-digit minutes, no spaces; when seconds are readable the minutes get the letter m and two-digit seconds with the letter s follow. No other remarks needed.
5h57
